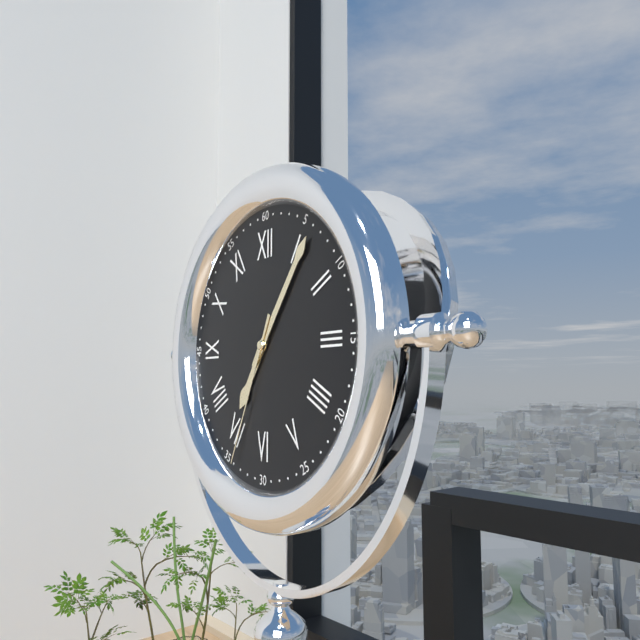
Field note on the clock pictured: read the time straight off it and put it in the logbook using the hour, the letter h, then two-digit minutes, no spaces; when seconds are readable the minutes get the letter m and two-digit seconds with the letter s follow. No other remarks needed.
7h06m34s
